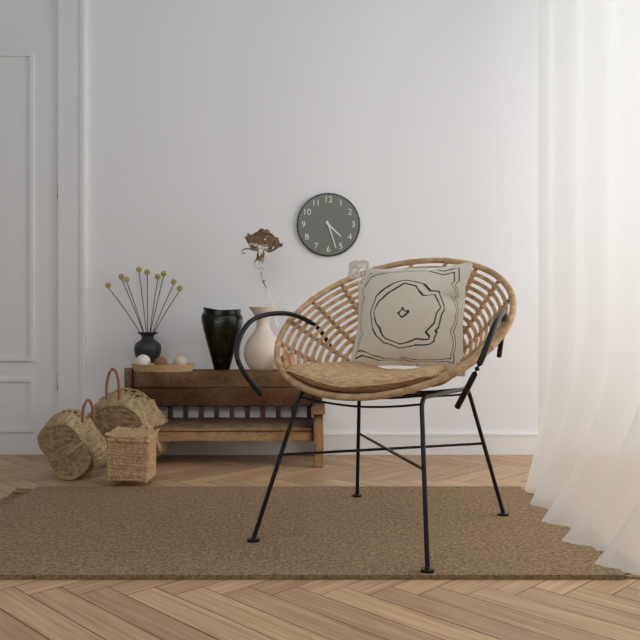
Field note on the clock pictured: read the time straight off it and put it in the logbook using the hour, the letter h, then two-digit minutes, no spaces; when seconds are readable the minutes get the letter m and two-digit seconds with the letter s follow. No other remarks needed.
4h27
